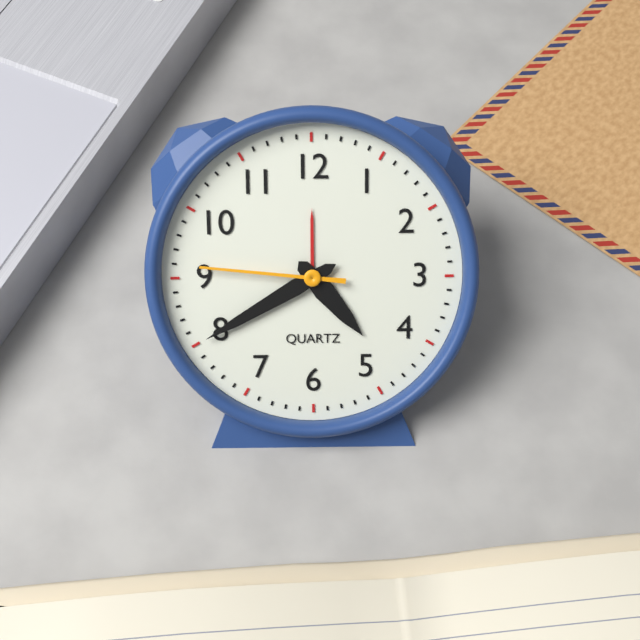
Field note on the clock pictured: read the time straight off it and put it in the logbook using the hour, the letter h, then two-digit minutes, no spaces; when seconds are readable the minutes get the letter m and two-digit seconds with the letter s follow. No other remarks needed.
4h40m46s
